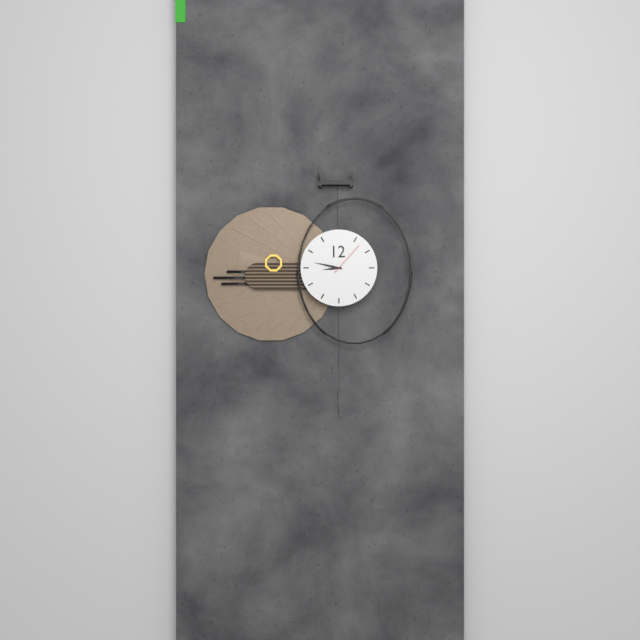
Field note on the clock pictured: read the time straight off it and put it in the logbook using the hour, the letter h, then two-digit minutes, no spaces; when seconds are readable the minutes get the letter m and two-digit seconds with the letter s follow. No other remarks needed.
8h47
